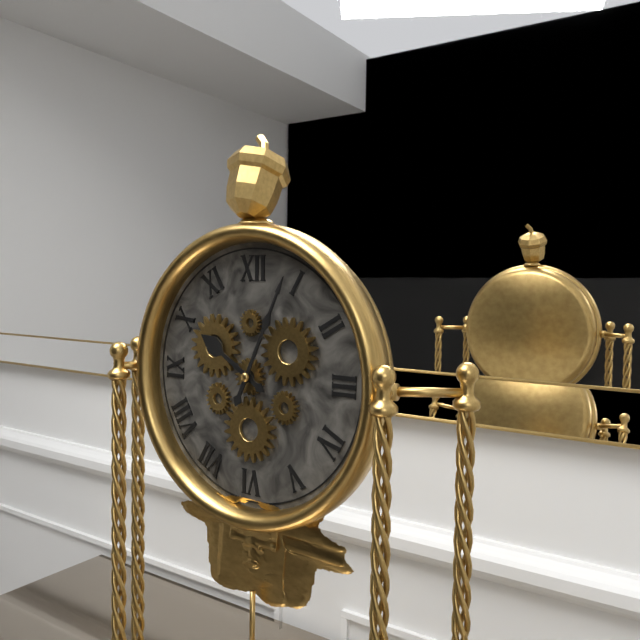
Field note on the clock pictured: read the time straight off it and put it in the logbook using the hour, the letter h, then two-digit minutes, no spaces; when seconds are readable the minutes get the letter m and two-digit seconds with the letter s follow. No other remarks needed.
10h04
